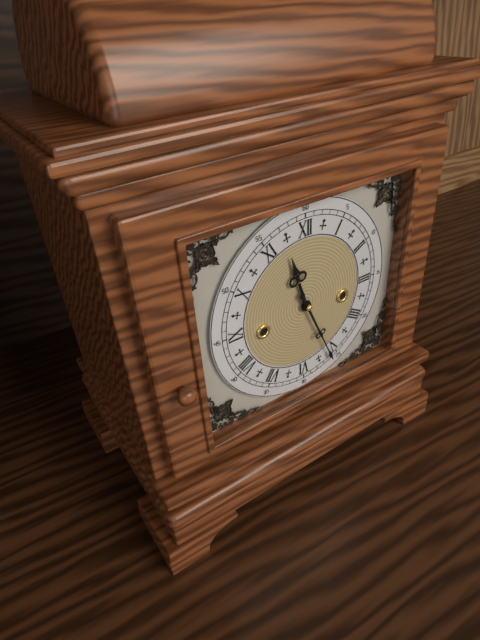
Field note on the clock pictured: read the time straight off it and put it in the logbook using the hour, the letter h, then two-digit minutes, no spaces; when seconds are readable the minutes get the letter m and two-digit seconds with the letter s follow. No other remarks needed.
11h26
